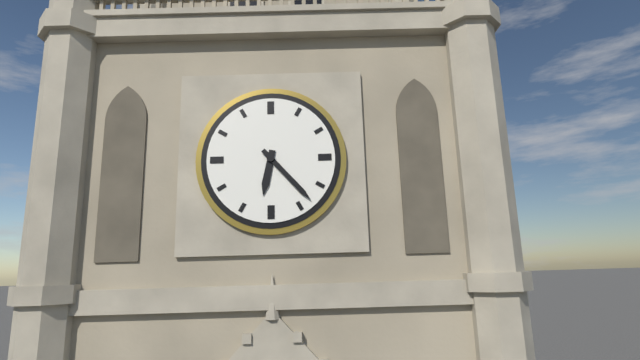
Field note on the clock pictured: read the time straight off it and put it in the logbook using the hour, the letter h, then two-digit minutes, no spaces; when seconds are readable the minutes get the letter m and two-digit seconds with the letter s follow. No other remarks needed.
6h23
